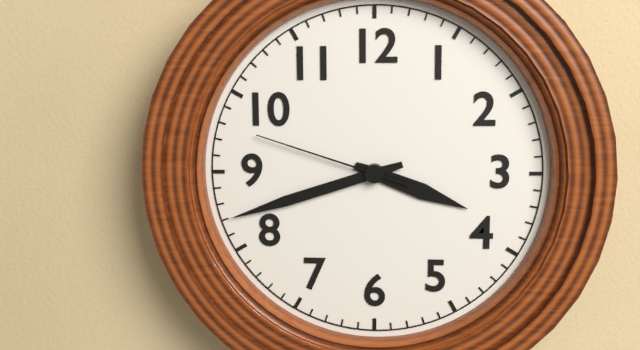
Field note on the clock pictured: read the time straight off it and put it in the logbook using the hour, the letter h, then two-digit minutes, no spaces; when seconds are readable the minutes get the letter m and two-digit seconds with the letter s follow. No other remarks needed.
3h42m48s
